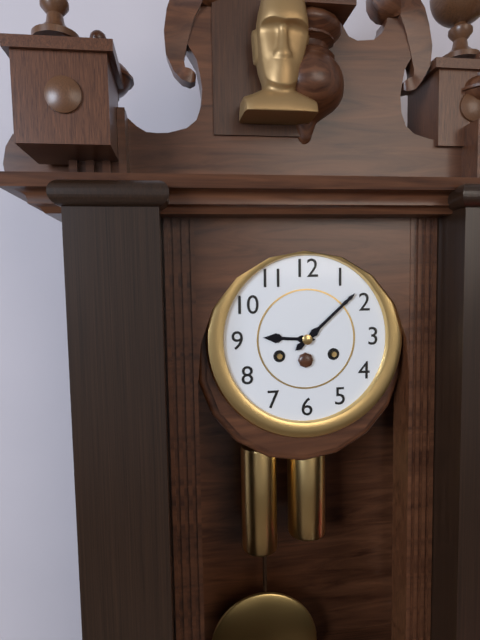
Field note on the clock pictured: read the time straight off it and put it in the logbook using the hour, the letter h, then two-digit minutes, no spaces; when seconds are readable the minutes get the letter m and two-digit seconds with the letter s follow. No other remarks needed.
9h08
